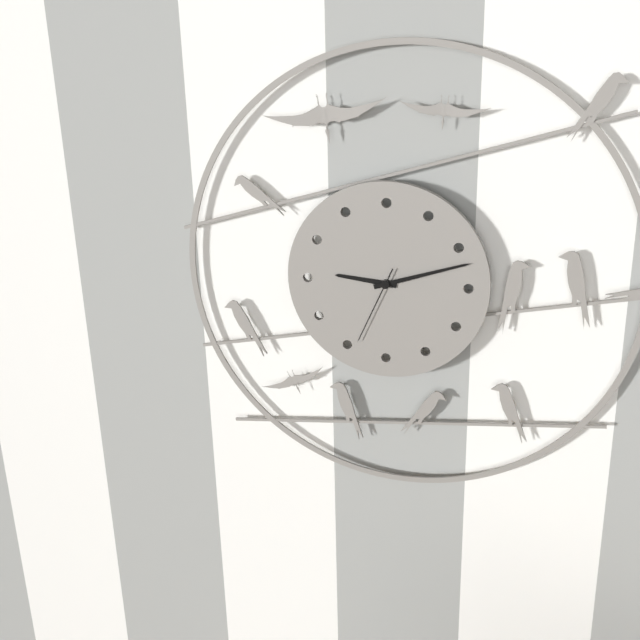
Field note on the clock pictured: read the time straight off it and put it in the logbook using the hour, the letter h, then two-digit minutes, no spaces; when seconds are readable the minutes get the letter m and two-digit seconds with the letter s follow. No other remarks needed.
9h12m34s
